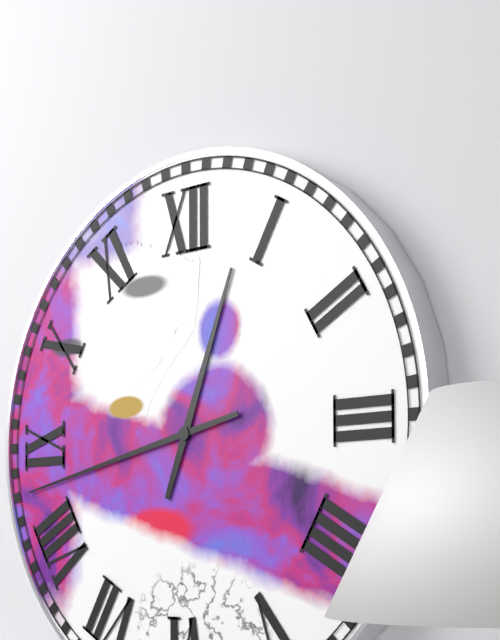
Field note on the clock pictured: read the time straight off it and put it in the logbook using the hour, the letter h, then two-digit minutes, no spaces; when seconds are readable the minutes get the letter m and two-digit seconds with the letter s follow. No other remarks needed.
12h43
